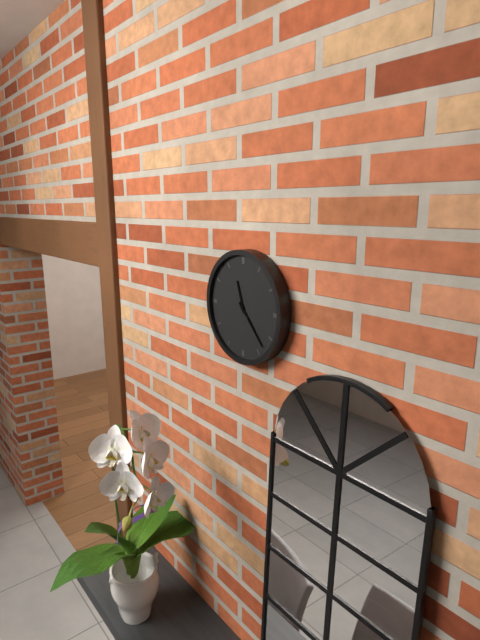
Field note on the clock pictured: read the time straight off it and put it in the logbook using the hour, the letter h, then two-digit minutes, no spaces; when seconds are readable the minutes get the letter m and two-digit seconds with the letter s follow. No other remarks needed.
11h23
